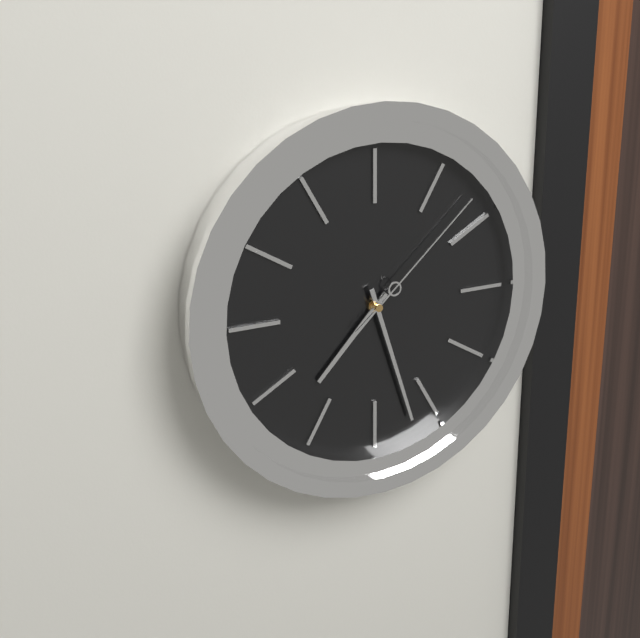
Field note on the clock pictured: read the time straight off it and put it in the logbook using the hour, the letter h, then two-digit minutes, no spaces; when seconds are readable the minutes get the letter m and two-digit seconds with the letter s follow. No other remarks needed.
7h27m08s
